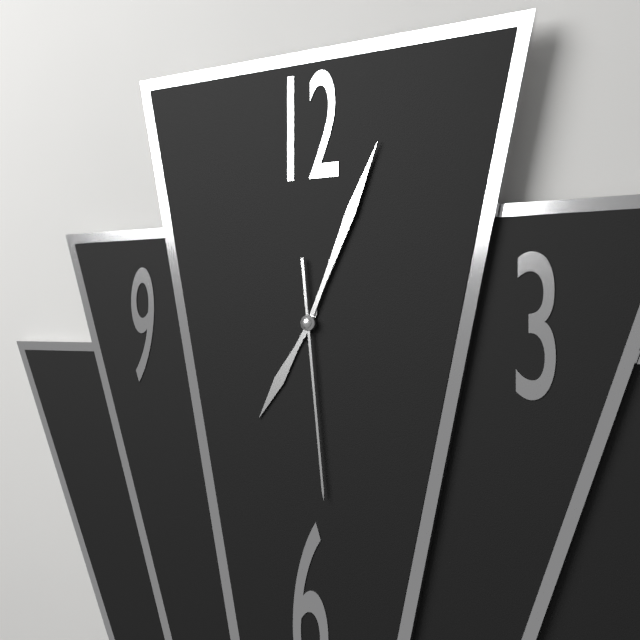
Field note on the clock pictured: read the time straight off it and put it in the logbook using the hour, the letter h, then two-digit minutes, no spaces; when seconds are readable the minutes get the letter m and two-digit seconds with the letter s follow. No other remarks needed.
7h04m29s
